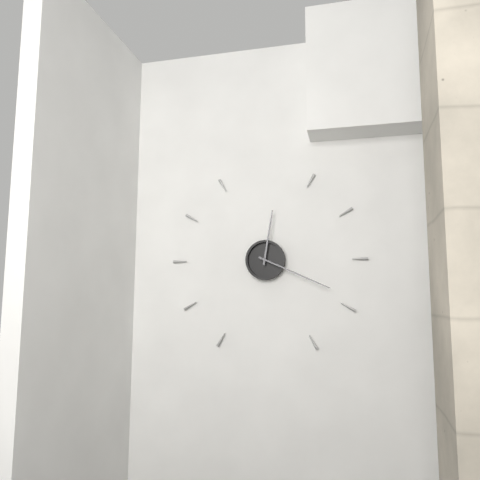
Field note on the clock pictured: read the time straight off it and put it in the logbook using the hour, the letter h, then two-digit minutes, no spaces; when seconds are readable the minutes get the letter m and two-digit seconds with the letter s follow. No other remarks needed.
12h19
